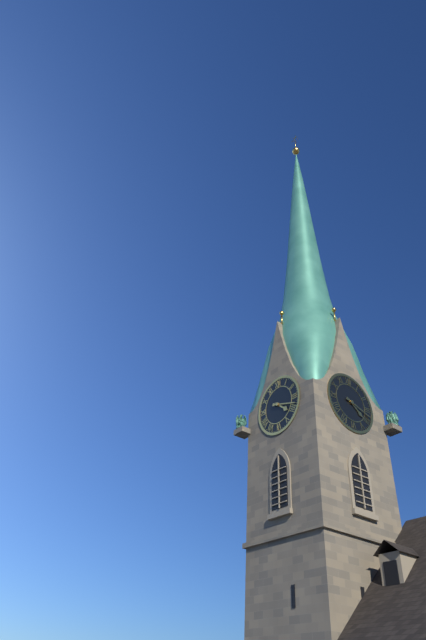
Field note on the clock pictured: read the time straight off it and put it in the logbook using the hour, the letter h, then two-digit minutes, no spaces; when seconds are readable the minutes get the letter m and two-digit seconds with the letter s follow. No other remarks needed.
4h18
